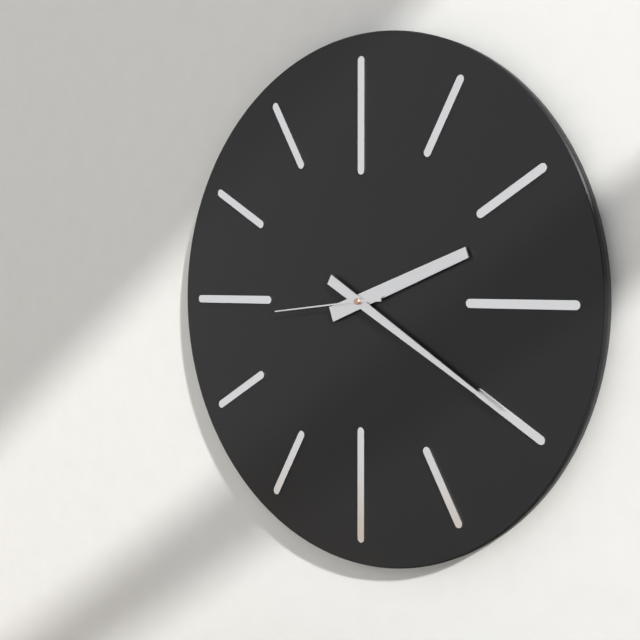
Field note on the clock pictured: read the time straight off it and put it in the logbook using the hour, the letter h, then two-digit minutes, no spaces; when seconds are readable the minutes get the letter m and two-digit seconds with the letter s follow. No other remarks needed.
2h20m44s
